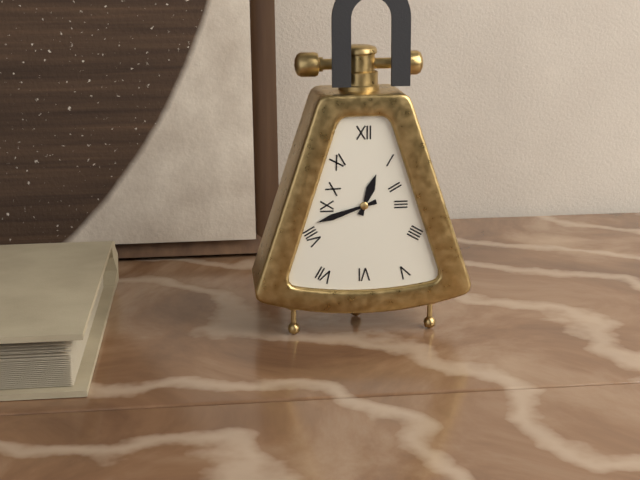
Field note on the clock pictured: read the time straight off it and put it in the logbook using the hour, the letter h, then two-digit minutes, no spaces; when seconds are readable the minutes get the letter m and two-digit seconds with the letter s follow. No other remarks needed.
12h42
